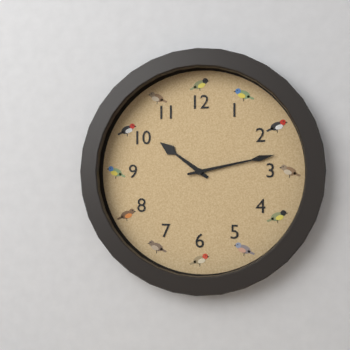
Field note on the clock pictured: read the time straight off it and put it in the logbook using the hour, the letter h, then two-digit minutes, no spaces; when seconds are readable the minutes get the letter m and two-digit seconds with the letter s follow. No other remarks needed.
10h13
